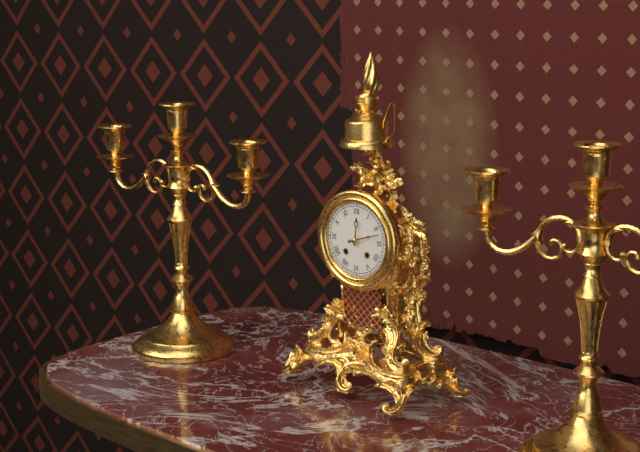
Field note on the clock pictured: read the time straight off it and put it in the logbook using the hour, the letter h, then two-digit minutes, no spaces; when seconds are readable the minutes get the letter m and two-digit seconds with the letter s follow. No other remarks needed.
12h12
